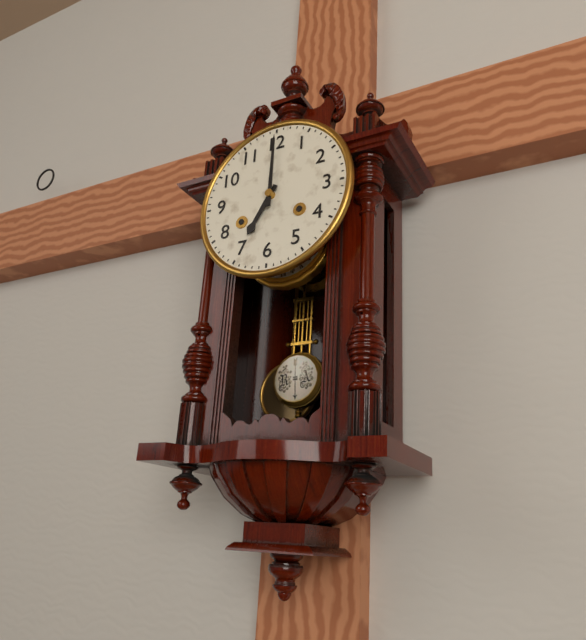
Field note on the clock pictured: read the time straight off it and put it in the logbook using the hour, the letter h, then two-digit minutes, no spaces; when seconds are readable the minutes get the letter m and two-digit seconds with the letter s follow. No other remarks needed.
7h00
